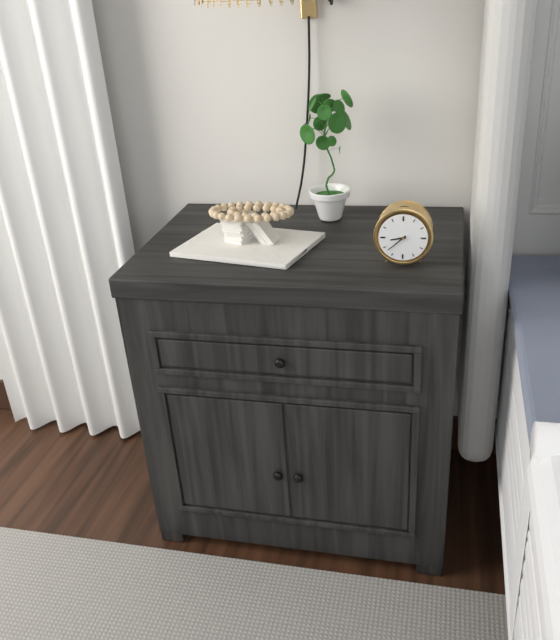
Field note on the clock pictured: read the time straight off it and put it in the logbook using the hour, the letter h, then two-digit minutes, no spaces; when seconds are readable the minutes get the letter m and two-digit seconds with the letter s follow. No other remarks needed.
8h38
